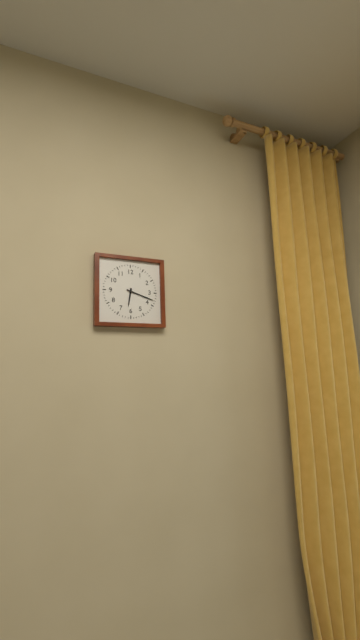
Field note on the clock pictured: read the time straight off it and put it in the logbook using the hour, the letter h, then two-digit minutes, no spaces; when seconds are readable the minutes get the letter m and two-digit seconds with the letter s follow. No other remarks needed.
6h18
